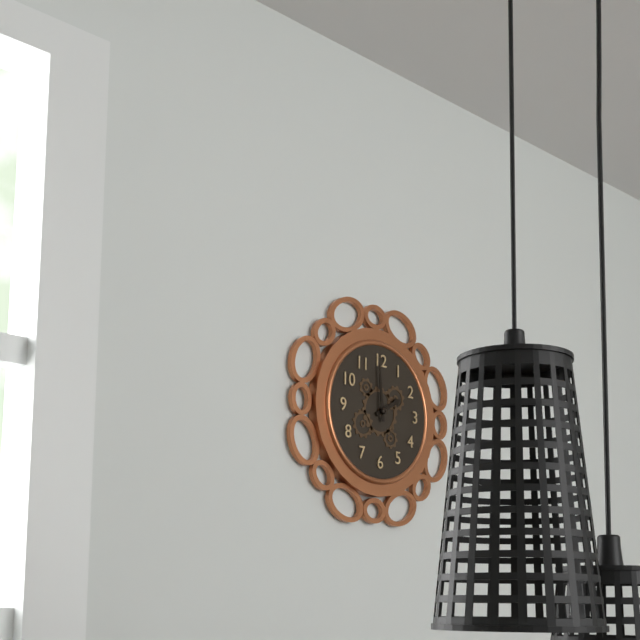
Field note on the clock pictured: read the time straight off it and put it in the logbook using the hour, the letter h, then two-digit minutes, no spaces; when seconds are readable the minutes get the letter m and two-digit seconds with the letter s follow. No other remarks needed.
1h59
